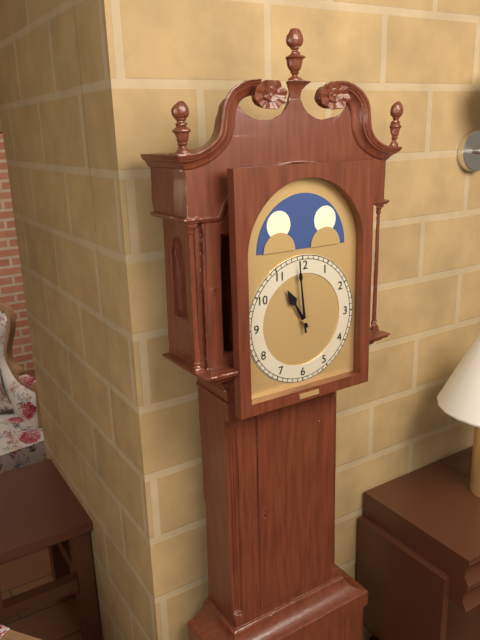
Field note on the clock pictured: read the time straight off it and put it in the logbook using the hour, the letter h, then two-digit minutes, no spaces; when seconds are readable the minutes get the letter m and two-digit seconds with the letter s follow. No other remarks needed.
10h59
